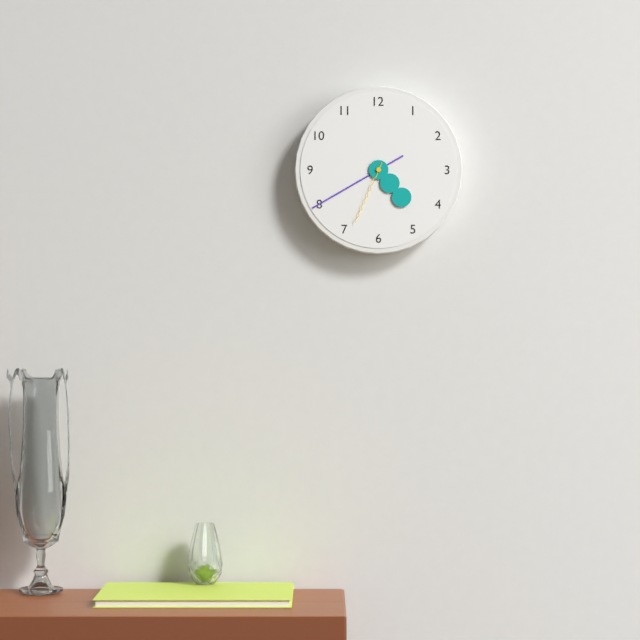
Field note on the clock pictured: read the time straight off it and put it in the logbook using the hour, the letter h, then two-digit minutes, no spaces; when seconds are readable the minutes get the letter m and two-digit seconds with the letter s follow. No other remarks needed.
4h40m34s
